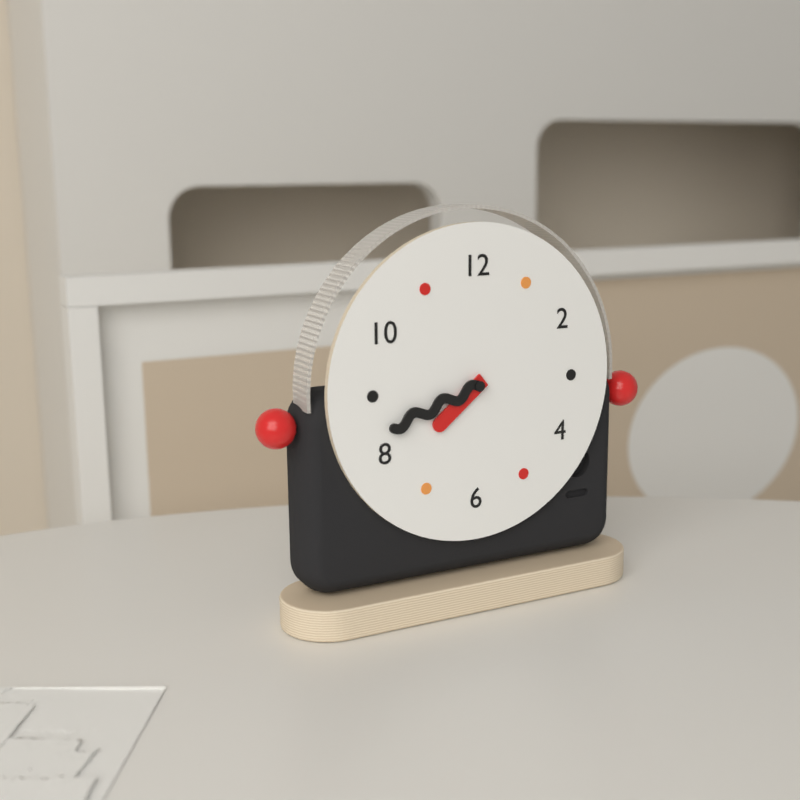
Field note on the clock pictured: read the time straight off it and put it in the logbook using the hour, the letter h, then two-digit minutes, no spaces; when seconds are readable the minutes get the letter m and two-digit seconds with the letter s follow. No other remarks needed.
7h42
